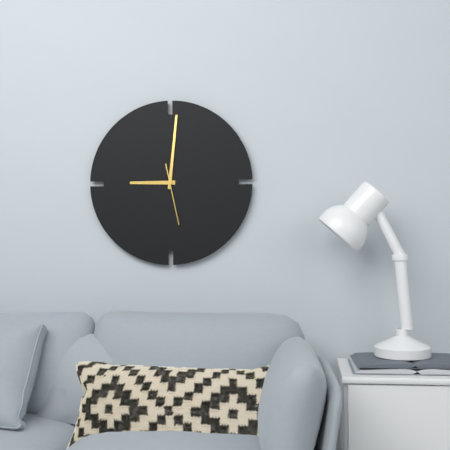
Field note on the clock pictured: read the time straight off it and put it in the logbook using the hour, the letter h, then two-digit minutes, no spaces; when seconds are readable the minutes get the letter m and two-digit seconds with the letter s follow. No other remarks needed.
9h01m28s
